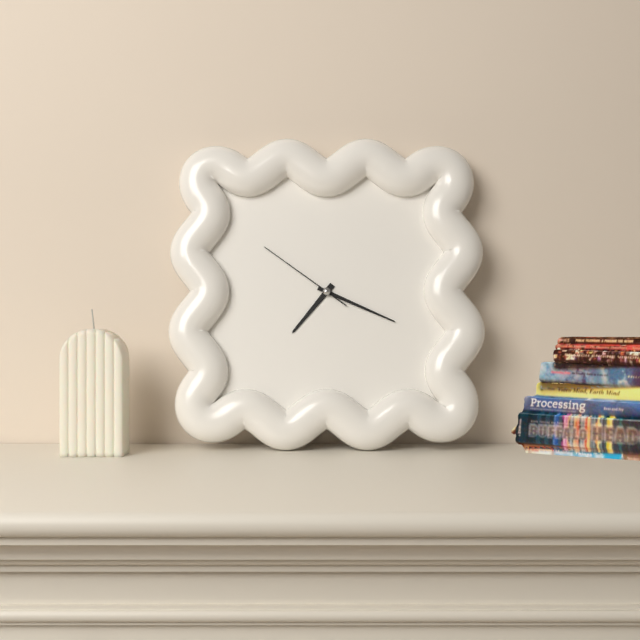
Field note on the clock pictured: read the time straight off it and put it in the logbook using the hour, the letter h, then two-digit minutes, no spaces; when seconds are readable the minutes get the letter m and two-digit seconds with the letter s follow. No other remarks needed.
7h19m51s
